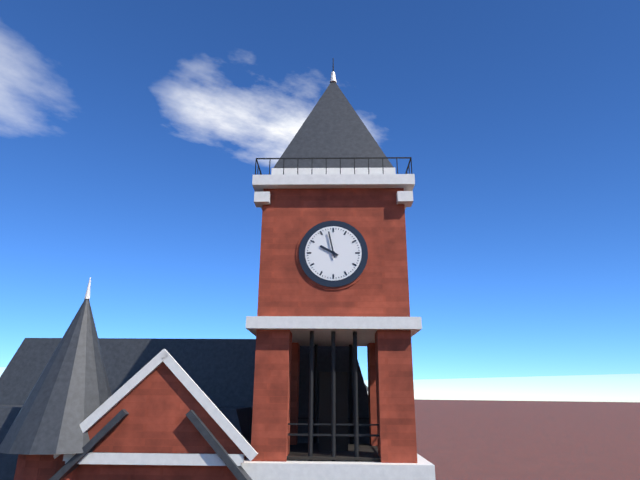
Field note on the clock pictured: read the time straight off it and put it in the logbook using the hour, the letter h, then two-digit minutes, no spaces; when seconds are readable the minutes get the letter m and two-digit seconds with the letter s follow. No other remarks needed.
9h58
